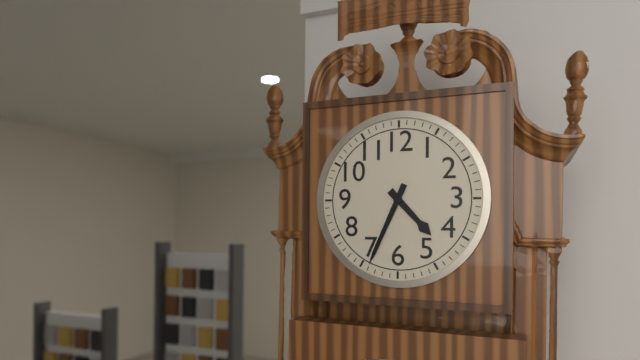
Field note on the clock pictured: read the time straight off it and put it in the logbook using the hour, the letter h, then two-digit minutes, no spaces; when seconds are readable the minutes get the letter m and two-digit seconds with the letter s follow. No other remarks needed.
4h34
